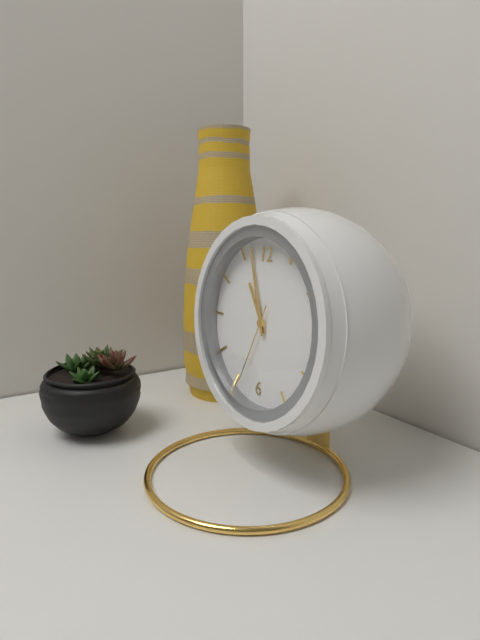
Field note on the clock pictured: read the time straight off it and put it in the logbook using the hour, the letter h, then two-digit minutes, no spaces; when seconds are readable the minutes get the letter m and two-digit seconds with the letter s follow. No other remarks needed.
10h57m34s
